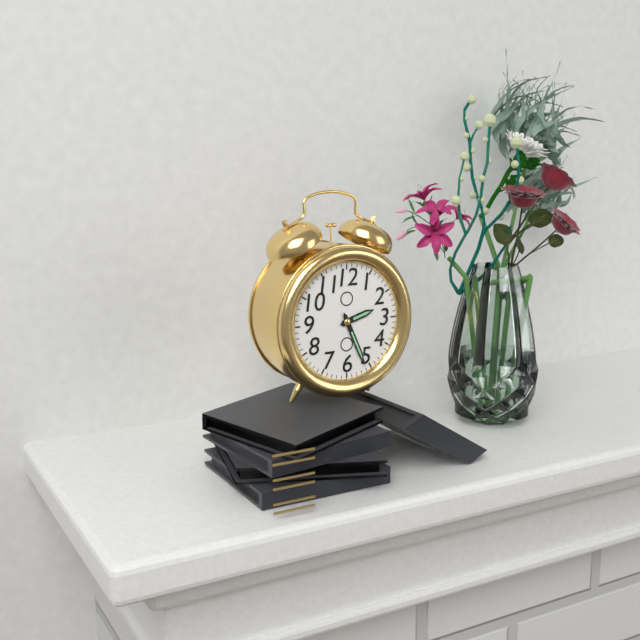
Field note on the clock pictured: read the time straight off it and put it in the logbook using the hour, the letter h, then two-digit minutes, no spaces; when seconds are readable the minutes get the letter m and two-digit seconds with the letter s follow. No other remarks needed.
2h26
